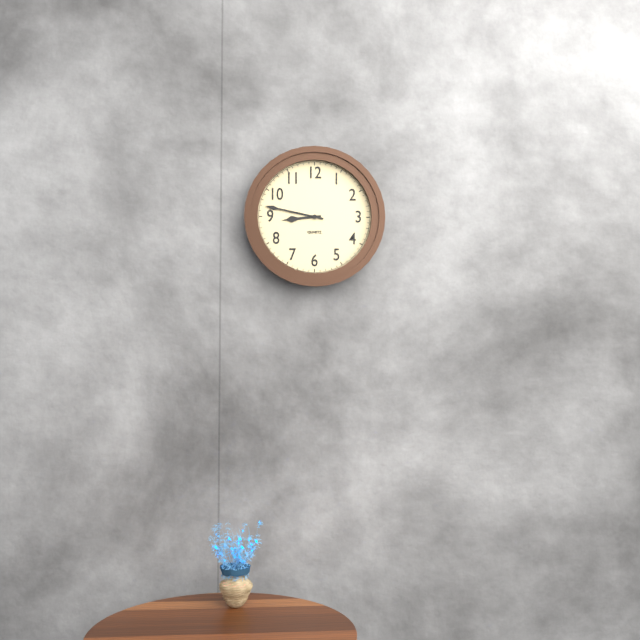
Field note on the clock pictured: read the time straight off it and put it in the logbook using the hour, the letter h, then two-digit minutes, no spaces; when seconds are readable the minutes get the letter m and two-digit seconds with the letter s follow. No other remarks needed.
8h47
